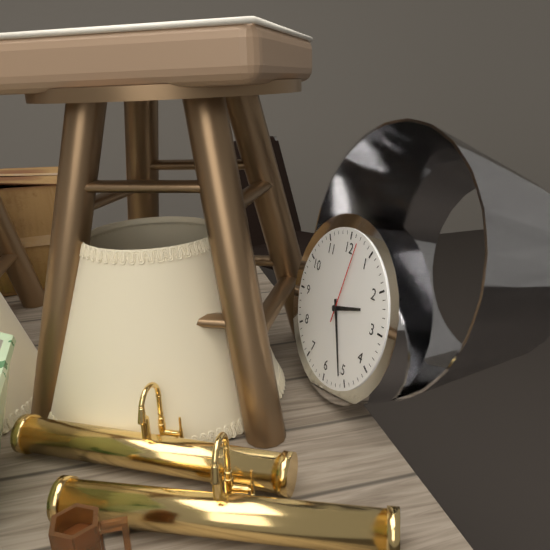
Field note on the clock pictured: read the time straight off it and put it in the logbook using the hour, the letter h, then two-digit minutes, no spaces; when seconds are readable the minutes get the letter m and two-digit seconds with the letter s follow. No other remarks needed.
2h26m02s
